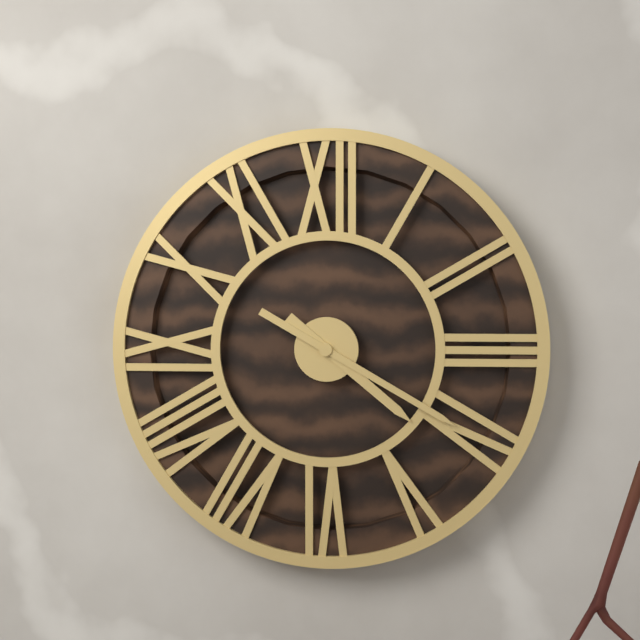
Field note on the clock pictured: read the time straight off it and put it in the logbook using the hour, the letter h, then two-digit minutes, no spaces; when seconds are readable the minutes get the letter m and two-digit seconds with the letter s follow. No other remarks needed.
4h20
